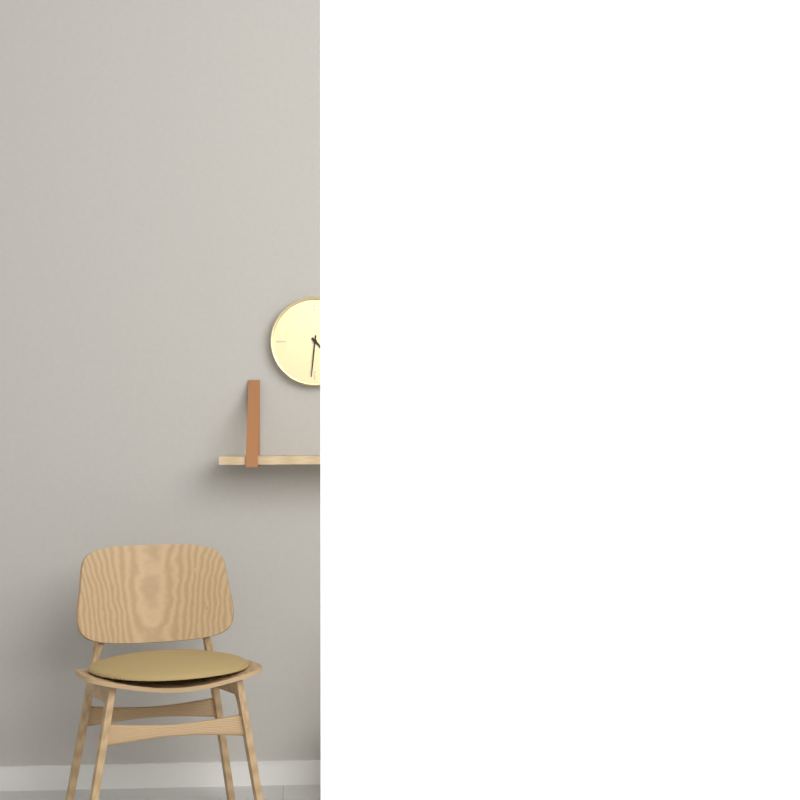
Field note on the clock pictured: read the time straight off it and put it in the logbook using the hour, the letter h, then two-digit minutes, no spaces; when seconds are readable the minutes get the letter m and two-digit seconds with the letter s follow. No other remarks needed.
4h31
